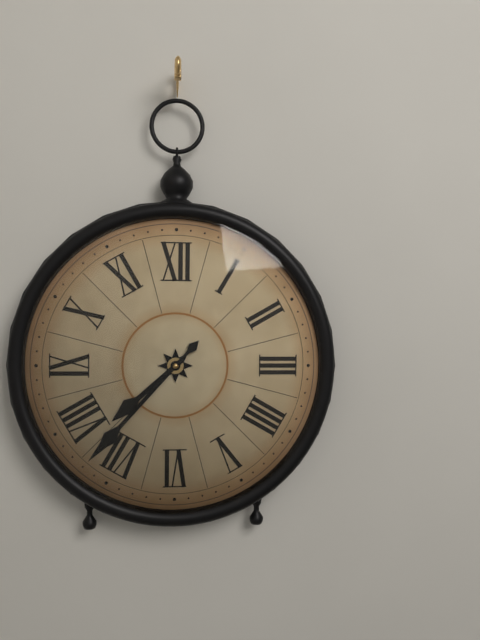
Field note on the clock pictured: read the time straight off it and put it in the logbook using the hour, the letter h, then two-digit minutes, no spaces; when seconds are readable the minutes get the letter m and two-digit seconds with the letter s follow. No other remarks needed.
7h37
